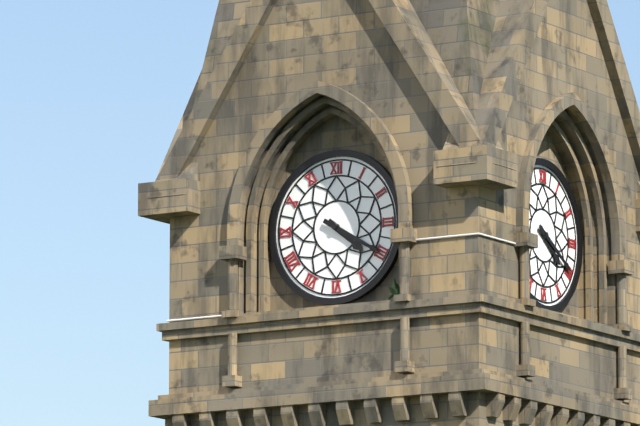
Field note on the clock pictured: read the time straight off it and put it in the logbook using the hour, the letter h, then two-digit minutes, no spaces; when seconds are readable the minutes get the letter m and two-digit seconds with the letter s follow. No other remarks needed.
4h20
